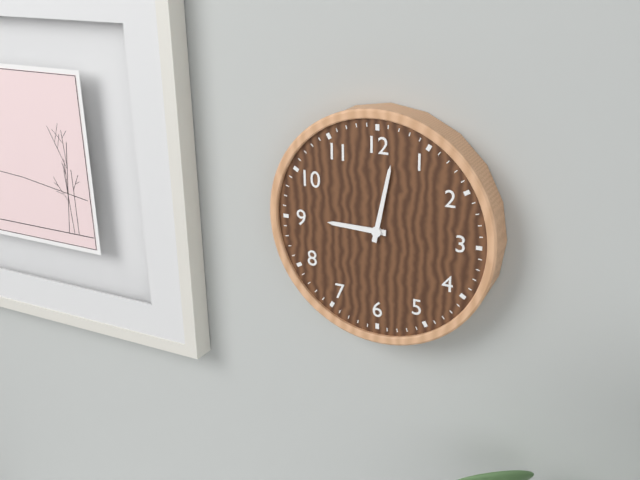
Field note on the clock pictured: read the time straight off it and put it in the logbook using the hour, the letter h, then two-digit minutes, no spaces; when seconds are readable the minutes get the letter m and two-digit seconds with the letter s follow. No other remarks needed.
9h02
